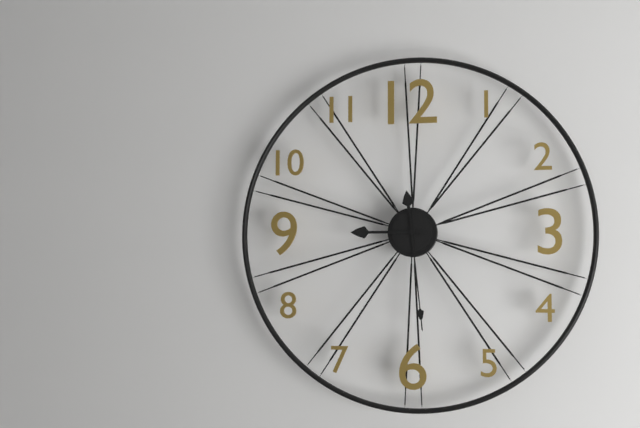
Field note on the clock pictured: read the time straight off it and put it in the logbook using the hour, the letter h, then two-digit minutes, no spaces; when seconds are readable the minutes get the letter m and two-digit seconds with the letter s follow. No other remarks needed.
11h45m29s
